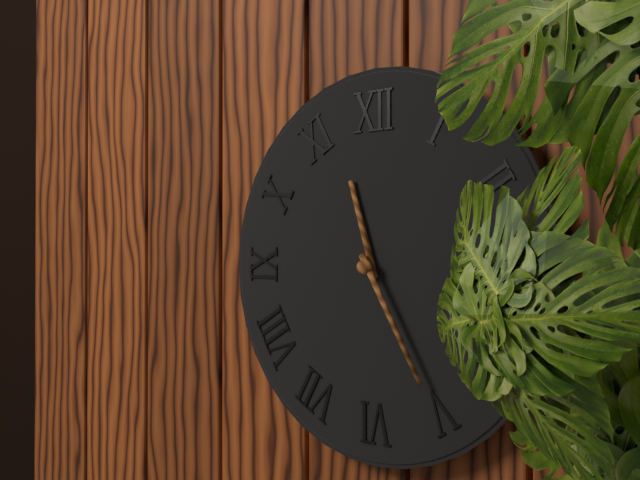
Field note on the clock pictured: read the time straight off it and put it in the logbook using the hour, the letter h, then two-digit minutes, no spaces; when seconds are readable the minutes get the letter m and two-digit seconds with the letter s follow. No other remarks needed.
11h25
